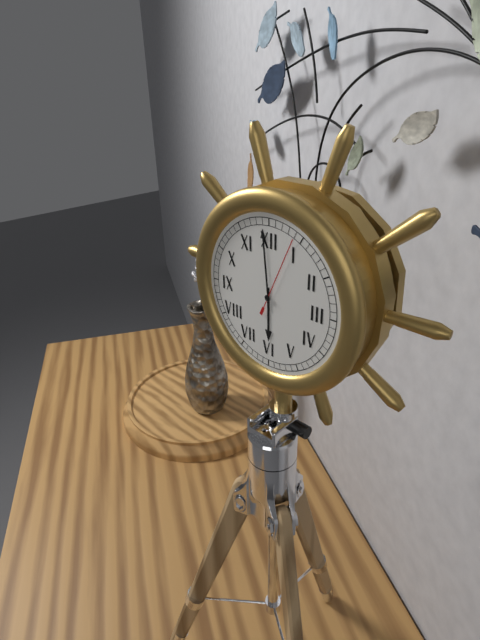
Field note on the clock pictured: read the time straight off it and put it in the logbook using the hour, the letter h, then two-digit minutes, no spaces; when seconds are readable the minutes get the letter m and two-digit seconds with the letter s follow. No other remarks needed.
5h59m04s
